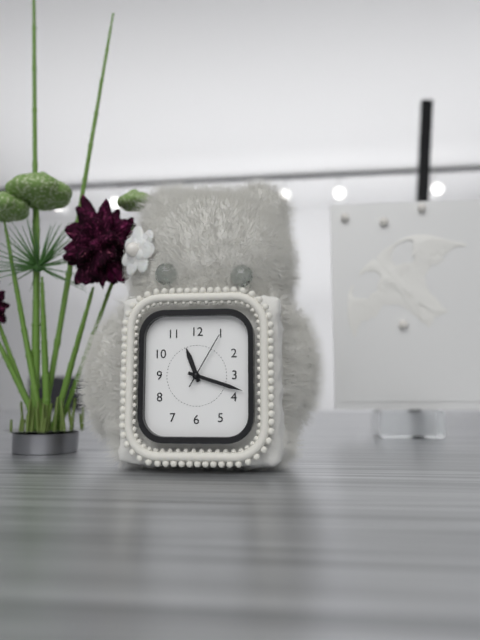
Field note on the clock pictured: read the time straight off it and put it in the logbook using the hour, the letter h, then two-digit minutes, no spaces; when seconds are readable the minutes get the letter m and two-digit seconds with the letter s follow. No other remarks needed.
11h18m05s
